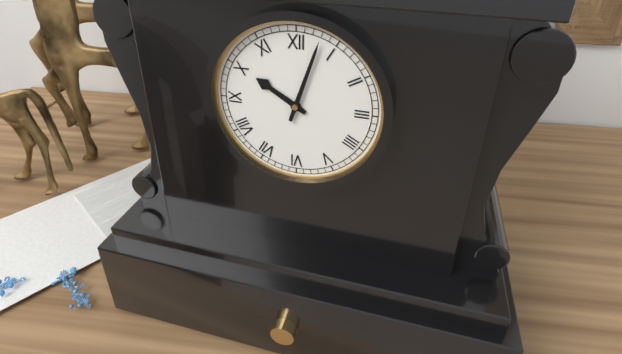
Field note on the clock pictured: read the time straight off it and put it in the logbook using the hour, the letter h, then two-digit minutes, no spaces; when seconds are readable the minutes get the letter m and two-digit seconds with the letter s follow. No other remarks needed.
10h03
